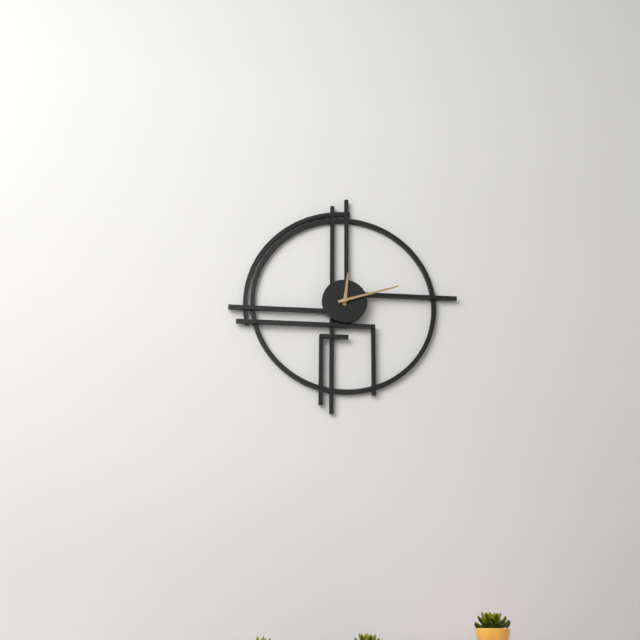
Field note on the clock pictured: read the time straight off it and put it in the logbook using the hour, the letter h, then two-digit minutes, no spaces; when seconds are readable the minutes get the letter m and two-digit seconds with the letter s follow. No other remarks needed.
12h12
